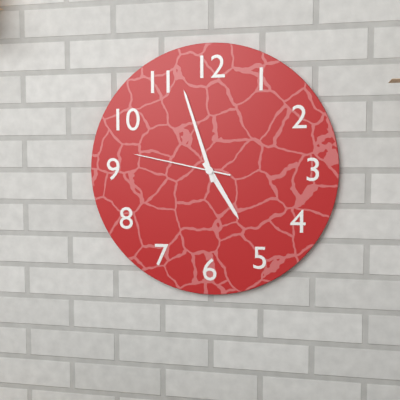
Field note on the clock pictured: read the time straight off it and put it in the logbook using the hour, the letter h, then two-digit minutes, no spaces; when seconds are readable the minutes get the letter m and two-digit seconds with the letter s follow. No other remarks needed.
4h57m47s
